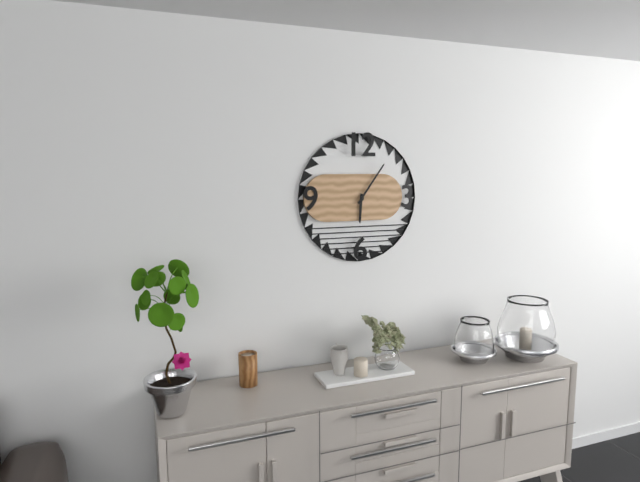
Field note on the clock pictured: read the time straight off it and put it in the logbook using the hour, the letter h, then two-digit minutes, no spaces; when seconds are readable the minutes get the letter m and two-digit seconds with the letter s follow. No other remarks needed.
6h06
